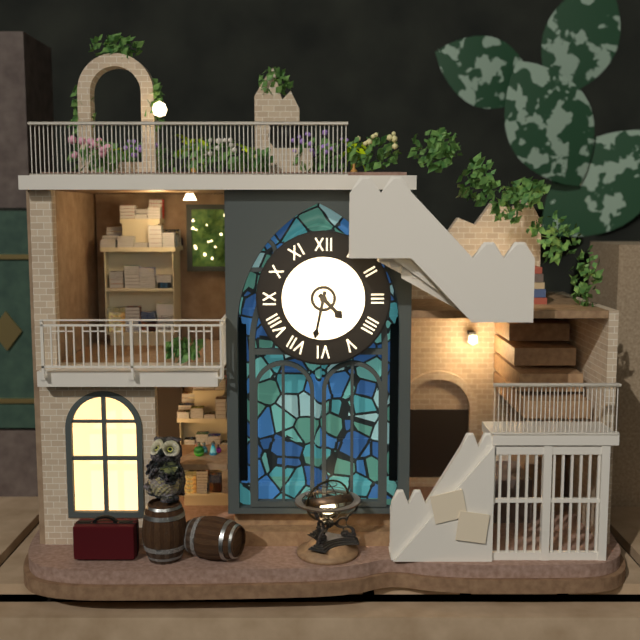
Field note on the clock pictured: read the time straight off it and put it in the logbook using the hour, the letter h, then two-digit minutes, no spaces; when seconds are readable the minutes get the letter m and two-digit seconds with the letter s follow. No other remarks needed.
4h32
